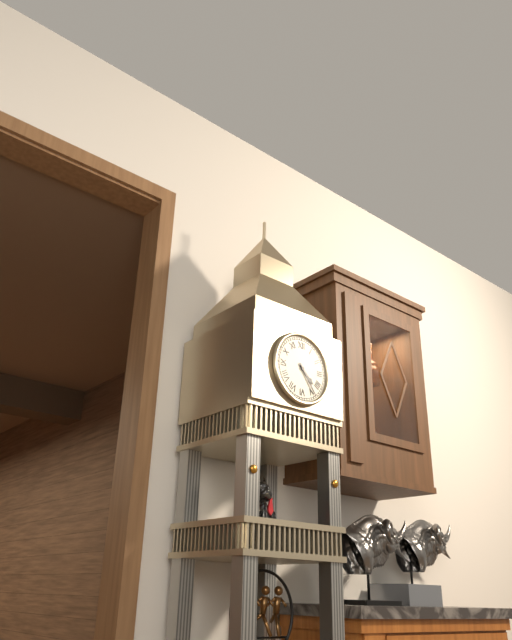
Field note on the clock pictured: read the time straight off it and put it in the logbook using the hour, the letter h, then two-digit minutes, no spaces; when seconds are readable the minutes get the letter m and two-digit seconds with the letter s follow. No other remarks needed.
4h24
